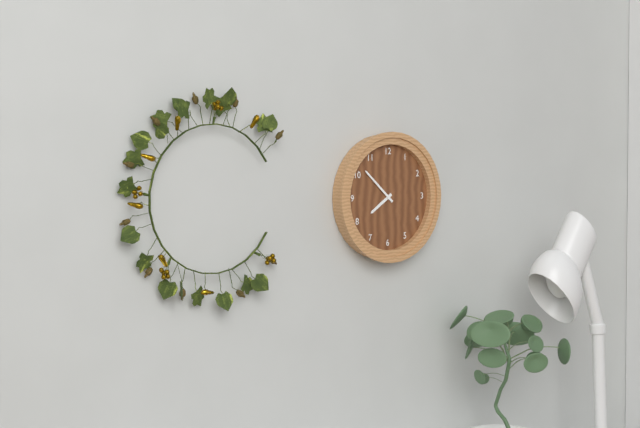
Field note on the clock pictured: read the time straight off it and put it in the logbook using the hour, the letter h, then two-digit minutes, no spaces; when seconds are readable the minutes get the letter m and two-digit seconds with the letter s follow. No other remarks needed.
7h52
